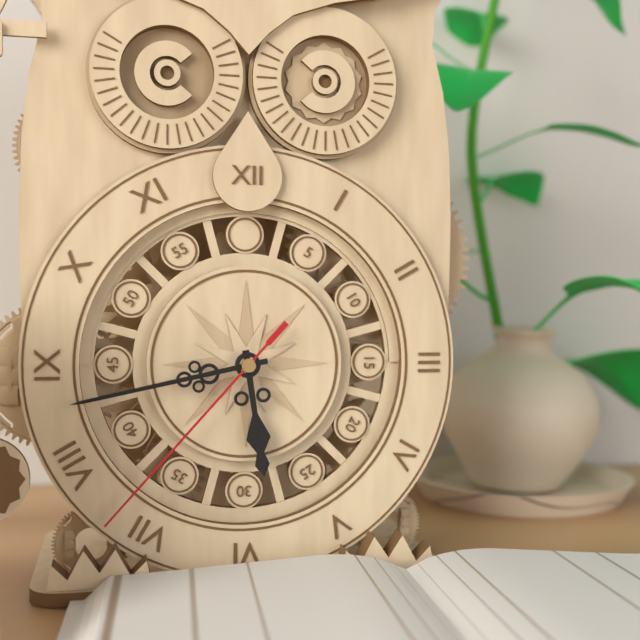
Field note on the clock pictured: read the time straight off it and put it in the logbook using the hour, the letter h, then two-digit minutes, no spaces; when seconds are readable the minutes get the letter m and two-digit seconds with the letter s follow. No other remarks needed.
5h43m37s
